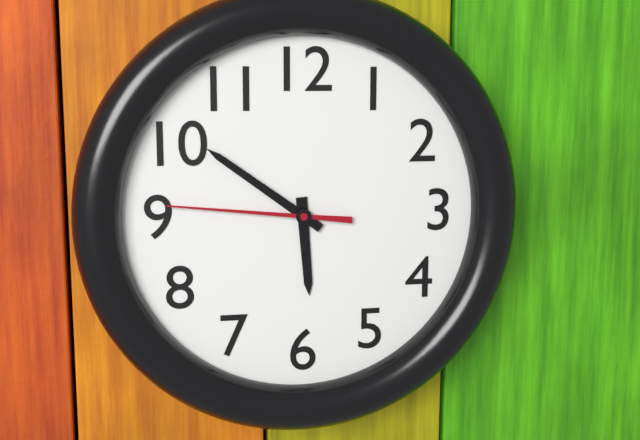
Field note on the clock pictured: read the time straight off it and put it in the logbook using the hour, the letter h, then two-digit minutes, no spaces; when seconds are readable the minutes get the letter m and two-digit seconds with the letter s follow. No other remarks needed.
5h51m46s
